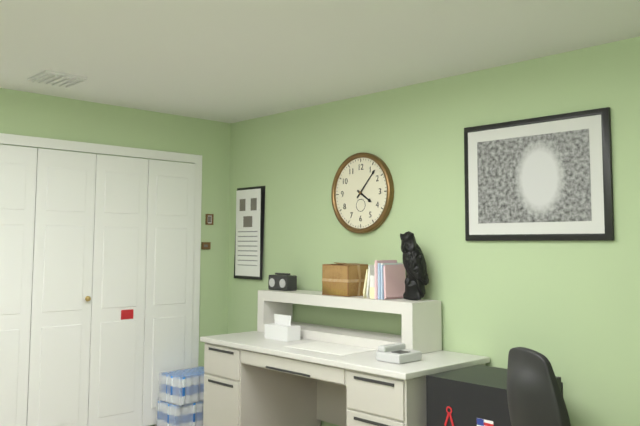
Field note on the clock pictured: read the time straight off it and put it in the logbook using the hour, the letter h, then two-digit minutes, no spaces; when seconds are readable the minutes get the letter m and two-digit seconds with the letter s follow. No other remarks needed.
4h07
